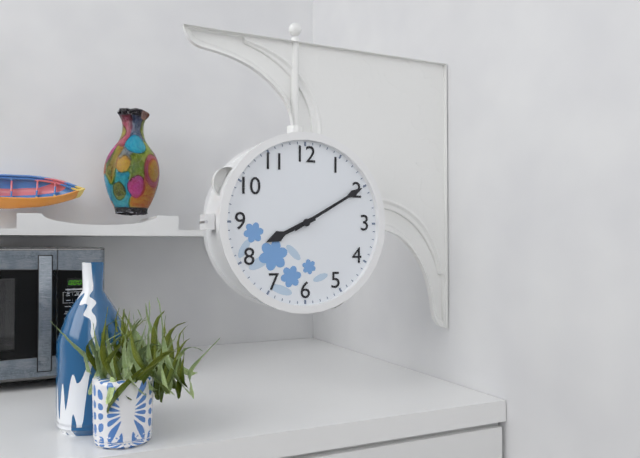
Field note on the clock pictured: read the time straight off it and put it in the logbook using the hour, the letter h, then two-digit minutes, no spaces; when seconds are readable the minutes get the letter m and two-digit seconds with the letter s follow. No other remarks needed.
8h10
